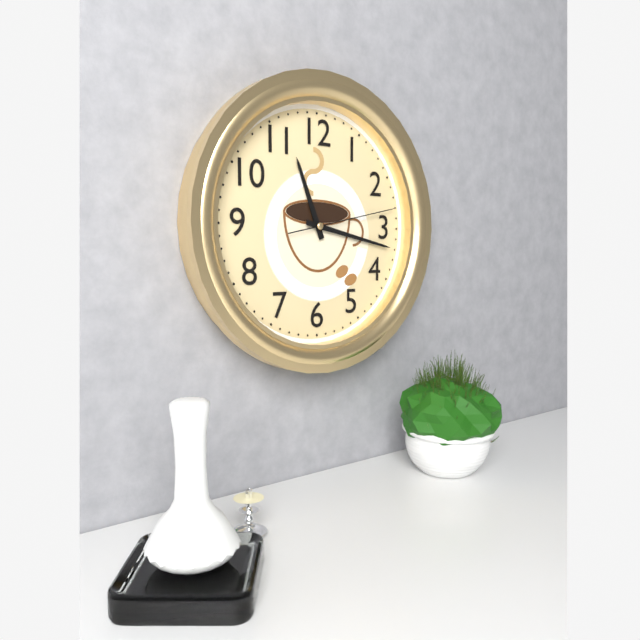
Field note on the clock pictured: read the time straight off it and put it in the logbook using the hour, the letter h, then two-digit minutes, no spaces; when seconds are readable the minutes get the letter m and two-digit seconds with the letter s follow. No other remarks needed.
11h17m13s
